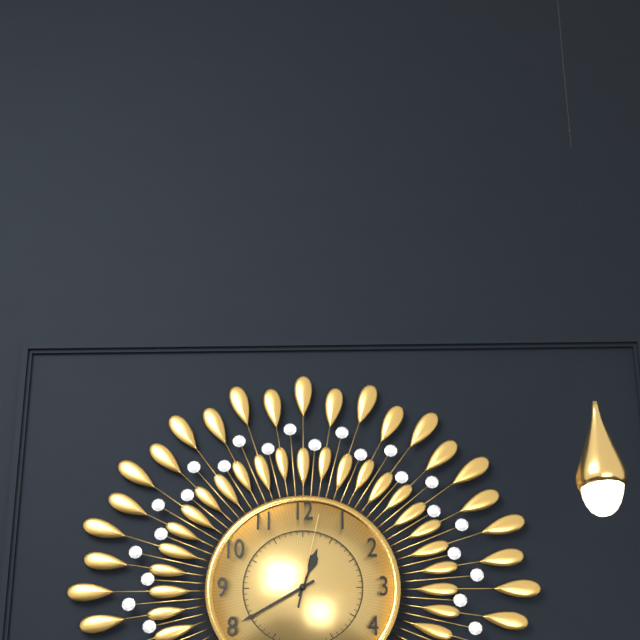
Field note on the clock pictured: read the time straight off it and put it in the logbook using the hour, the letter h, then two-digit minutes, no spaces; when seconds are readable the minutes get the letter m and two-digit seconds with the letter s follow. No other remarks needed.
12h40m02s
